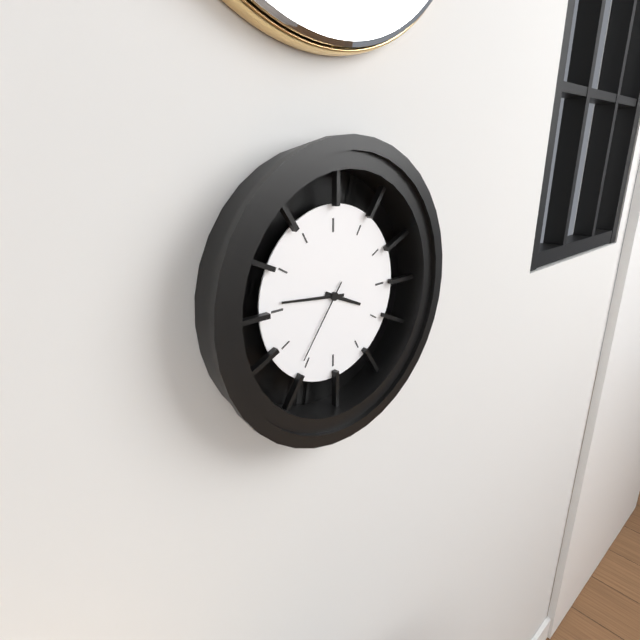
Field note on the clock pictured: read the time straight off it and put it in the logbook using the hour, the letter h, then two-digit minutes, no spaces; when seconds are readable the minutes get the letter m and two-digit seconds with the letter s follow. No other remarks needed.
3h46m36s
